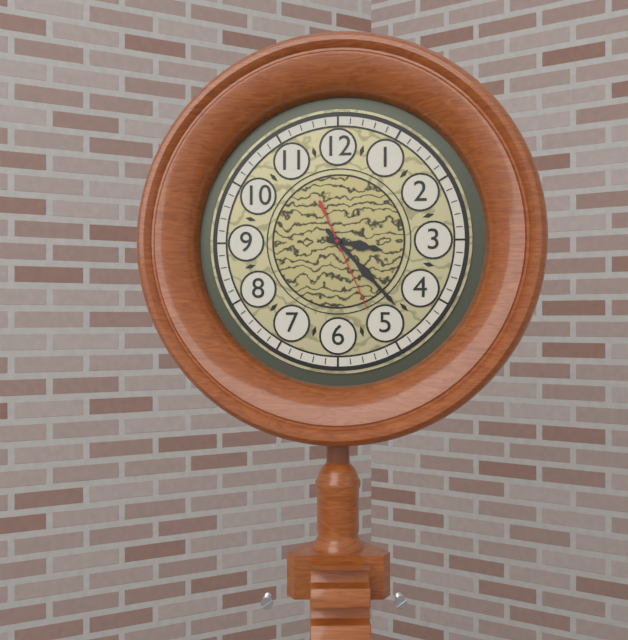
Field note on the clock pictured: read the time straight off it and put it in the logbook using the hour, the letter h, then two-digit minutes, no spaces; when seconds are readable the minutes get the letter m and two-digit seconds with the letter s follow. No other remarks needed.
3h23m26s
